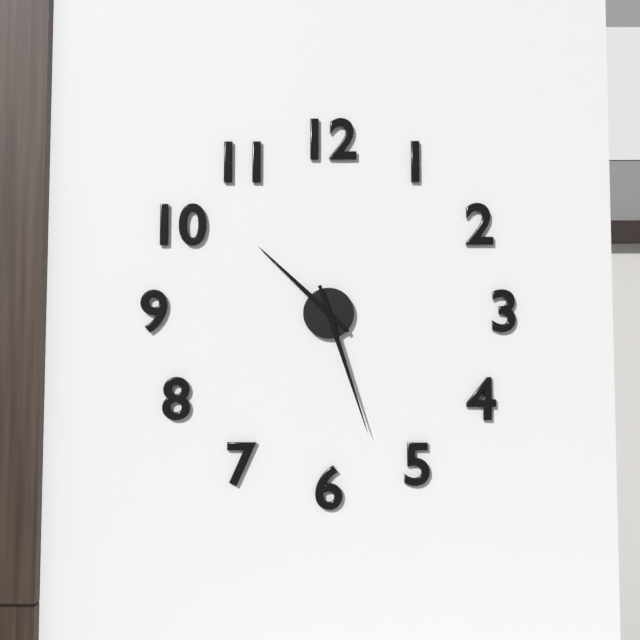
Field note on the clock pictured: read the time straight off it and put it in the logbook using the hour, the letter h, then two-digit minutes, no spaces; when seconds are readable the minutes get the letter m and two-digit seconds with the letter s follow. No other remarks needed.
10h27
